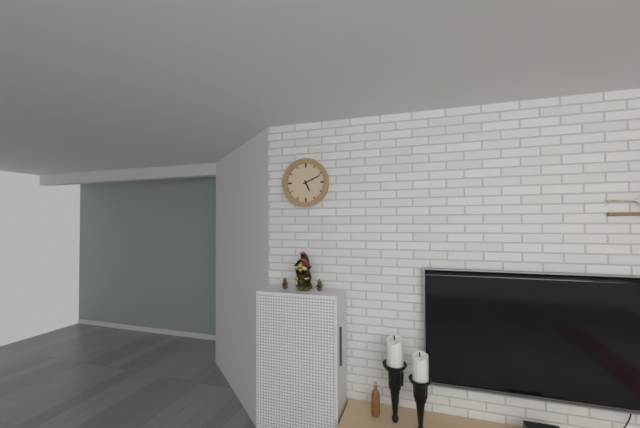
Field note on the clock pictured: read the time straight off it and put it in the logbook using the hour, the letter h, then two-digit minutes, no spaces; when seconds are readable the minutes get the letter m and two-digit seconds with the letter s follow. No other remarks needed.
5h11
